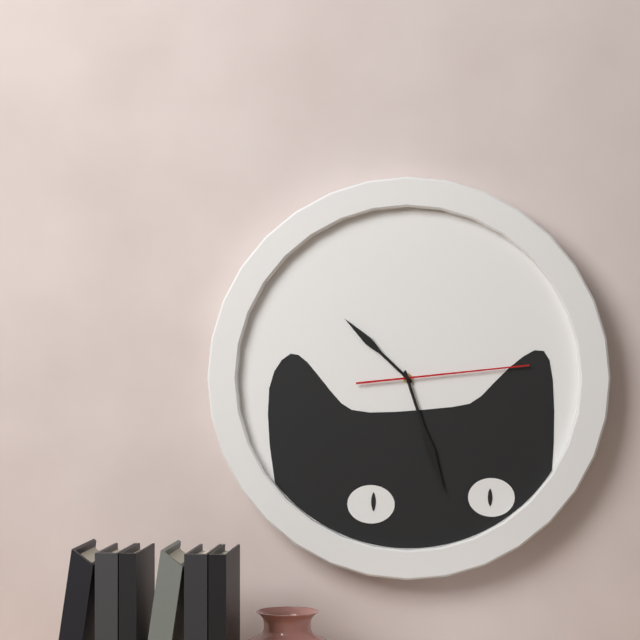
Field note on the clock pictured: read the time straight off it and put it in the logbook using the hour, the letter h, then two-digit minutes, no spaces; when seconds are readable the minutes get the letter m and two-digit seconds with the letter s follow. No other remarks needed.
10h27m14s
